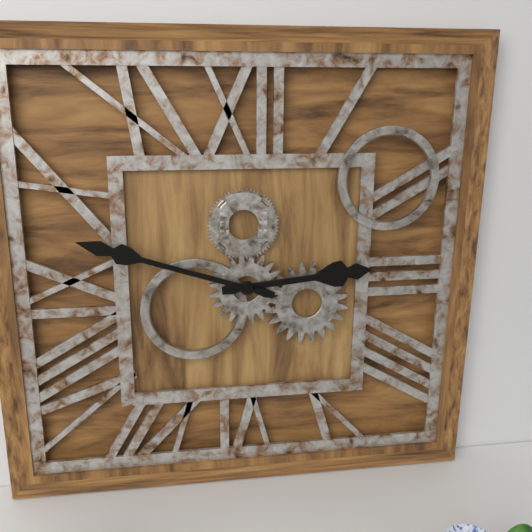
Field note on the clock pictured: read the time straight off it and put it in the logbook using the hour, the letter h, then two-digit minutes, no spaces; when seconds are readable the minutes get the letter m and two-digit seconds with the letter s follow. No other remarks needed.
2h48
